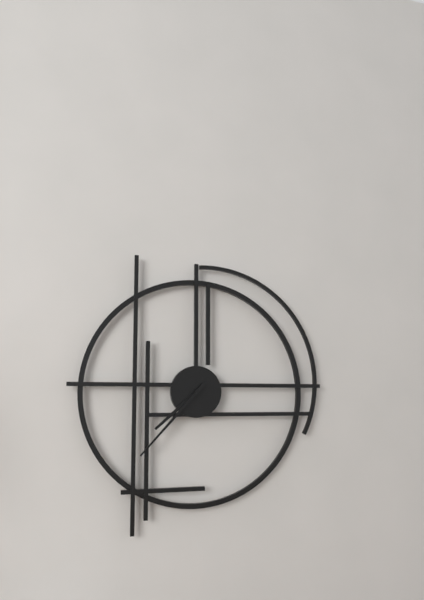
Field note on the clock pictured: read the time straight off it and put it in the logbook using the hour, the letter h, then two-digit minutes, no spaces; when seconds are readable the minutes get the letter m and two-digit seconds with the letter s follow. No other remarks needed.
7h37
